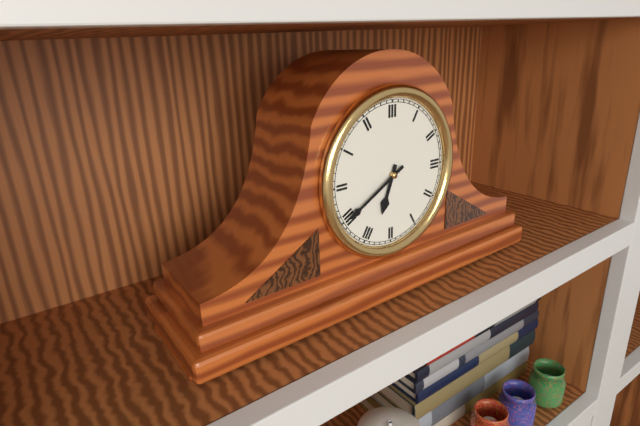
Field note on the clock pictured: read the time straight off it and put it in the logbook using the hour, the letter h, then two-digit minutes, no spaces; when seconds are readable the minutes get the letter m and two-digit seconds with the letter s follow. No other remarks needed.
6h40
